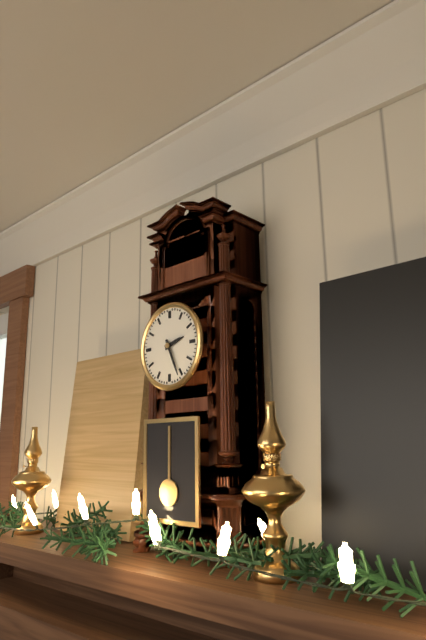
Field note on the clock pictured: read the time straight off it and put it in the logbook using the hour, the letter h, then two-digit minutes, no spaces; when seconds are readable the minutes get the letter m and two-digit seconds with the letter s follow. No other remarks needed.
2h26
